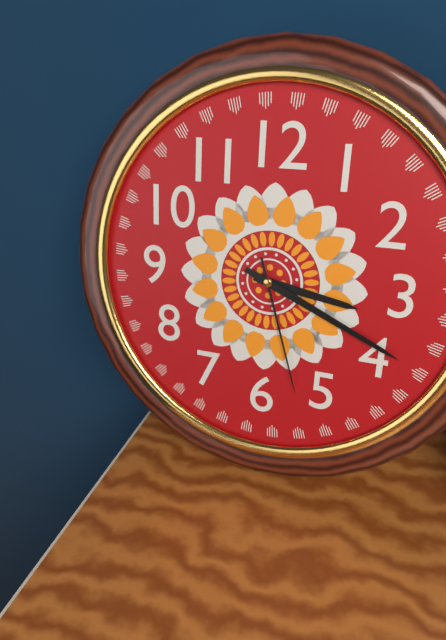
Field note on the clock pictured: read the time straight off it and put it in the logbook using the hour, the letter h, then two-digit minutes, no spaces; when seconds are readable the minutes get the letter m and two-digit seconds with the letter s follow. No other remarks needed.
3h19m27s
